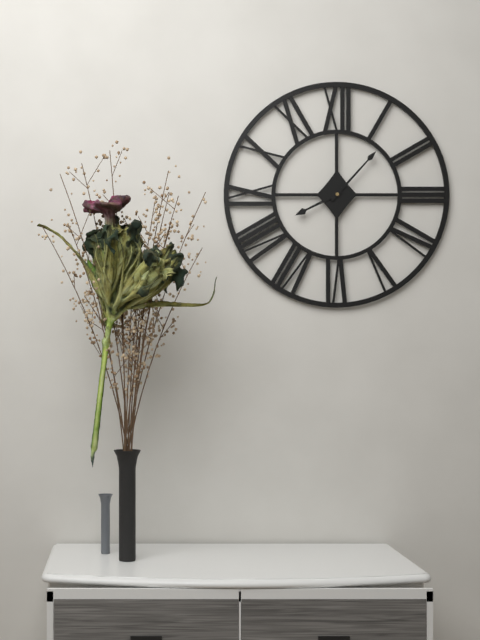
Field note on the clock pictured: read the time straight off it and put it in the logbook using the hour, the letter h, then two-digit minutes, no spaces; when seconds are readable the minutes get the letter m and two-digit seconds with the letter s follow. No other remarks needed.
8h07
